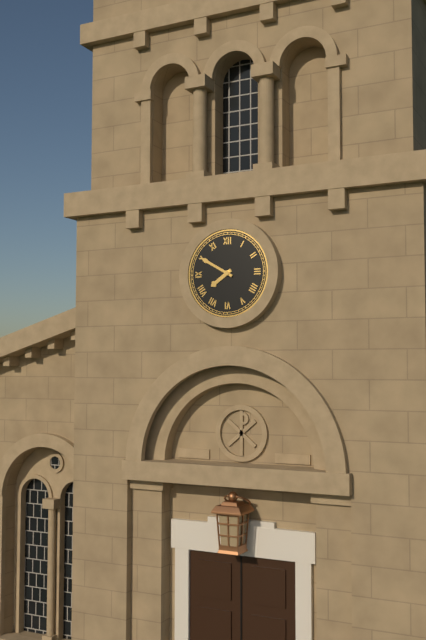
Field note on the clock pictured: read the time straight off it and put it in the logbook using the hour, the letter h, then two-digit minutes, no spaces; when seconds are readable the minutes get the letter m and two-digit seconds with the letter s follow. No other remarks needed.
7h50
